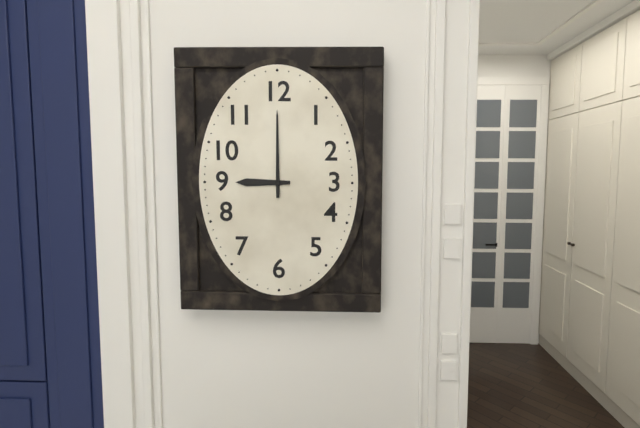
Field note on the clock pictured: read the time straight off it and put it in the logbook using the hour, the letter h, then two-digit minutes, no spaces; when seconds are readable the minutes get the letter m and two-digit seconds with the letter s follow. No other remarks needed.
9h00
